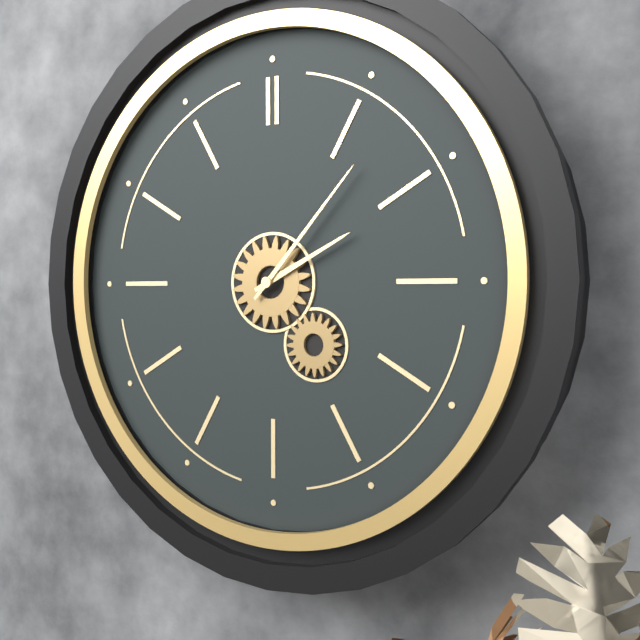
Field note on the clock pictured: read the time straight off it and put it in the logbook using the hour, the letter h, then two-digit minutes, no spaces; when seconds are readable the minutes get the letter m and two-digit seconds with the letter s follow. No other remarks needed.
2h07
